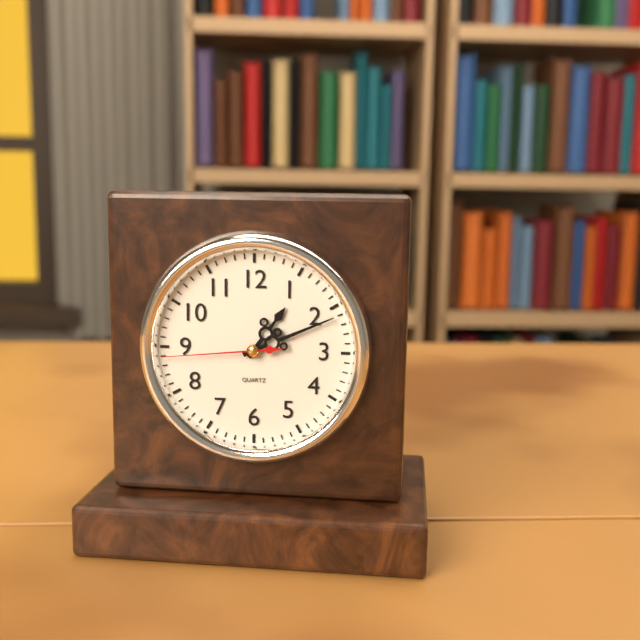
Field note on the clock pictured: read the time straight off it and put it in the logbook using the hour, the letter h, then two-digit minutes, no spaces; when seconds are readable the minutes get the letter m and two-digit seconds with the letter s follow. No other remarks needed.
1h11m44s
